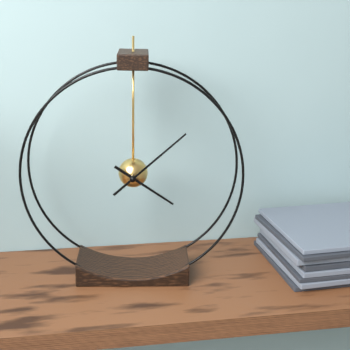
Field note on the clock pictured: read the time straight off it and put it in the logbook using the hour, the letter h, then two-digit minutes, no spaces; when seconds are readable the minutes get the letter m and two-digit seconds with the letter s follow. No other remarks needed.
4h08
